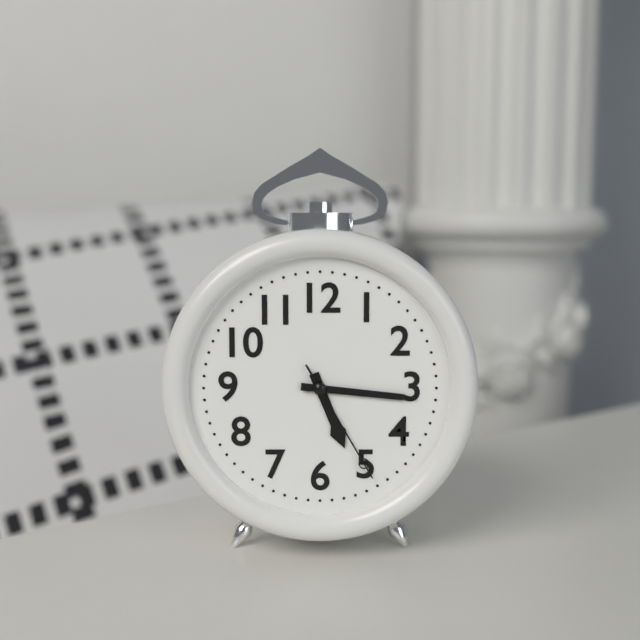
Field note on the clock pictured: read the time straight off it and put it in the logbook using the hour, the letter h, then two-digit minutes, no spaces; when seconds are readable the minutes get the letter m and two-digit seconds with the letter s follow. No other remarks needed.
5h16m25s
